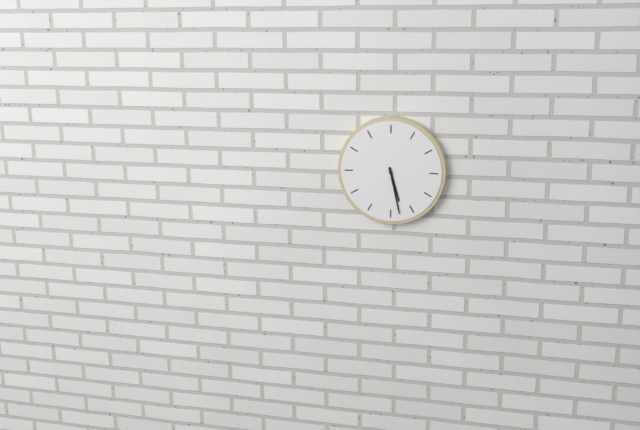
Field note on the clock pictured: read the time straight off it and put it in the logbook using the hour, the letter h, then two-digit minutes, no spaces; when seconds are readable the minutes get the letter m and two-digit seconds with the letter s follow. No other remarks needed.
5h28
